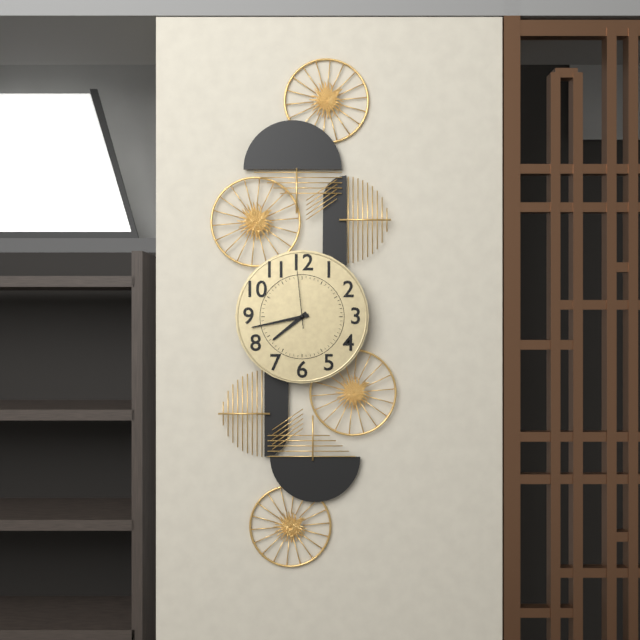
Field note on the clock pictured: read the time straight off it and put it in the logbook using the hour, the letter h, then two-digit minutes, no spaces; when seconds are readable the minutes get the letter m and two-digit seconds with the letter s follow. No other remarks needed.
7h43m59s
